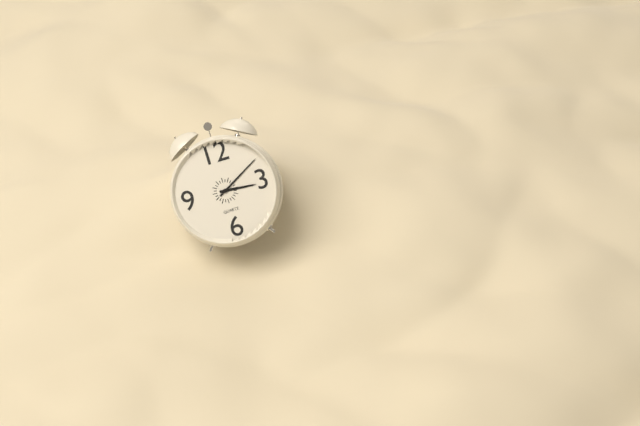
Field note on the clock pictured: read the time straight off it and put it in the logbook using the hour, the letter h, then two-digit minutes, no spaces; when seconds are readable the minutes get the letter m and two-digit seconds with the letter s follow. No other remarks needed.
3h10
